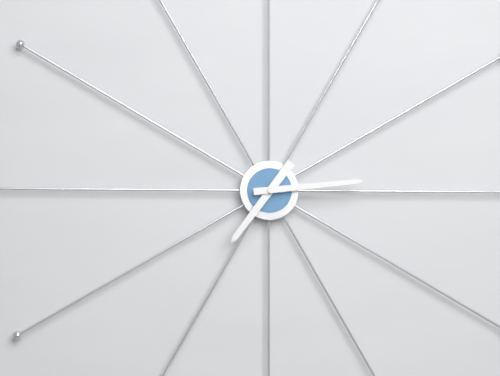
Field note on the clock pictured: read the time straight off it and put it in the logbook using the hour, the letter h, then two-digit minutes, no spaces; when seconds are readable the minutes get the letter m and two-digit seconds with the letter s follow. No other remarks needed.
7h14
